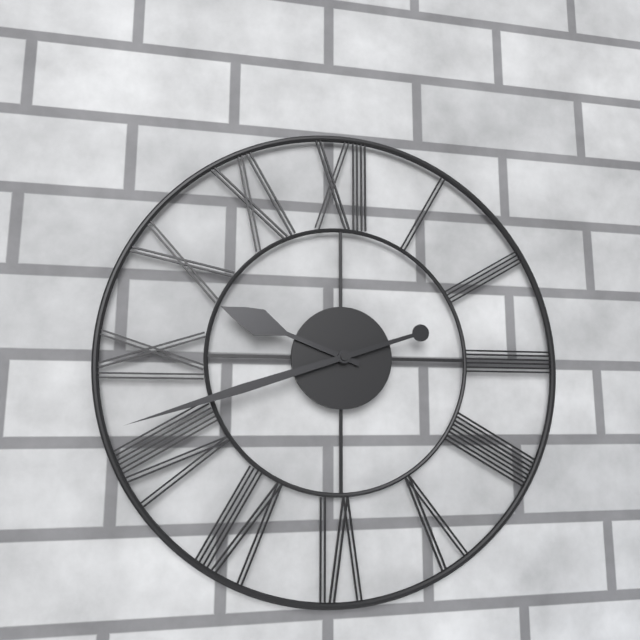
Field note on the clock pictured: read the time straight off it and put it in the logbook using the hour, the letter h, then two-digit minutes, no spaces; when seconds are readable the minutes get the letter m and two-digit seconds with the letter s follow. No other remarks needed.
9h42
